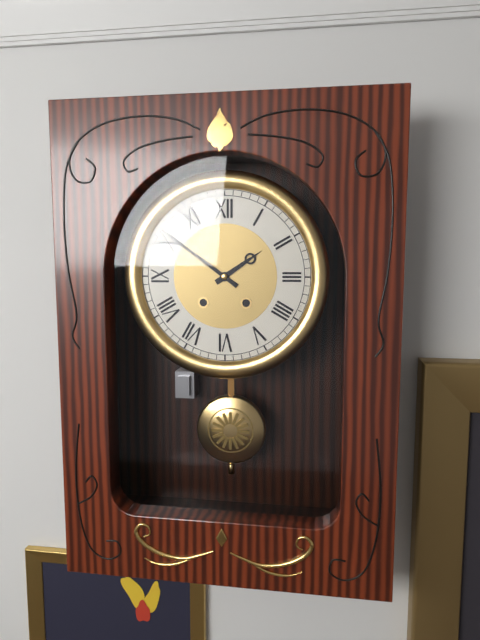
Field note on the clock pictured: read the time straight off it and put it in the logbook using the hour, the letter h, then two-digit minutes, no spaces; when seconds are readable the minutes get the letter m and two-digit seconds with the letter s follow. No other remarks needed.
1h51
